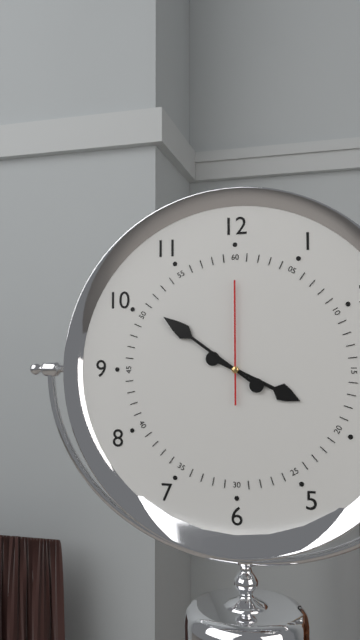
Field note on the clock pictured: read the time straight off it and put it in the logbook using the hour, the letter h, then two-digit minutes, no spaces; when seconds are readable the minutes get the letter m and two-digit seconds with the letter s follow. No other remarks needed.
3h51m00s
